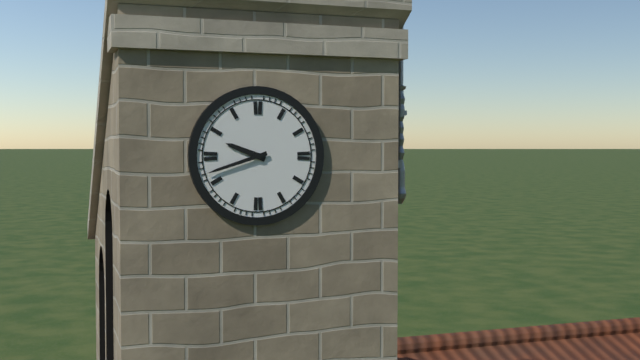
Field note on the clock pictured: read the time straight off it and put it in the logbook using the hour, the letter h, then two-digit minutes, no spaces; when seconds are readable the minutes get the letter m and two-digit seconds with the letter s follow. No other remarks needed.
9h42
